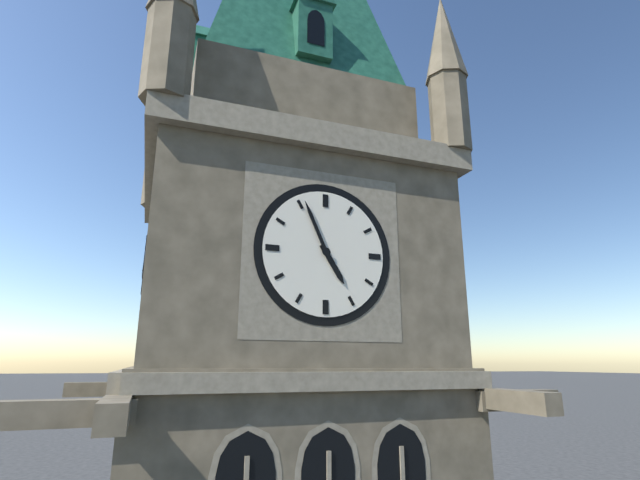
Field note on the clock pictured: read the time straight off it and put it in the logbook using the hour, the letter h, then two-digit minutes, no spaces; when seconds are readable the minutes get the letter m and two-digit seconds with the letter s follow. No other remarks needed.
4h56
